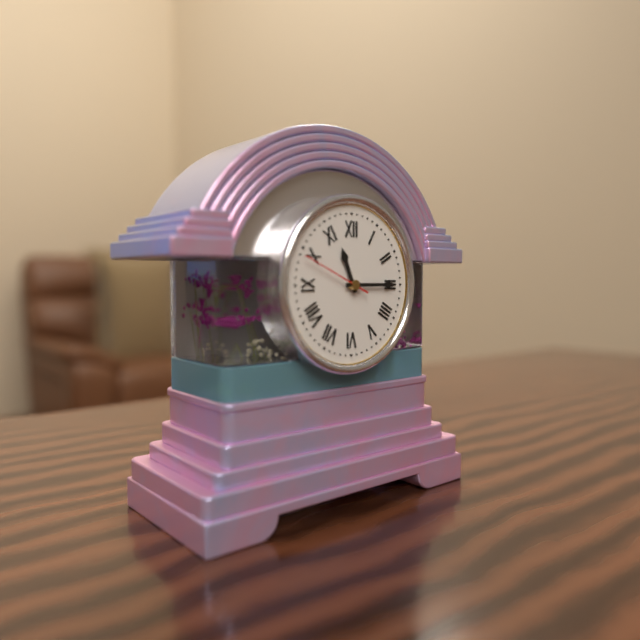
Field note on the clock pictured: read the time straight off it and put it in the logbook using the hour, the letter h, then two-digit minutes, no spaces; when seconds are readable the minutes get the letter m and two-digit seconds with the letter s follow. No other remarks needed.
11h15
